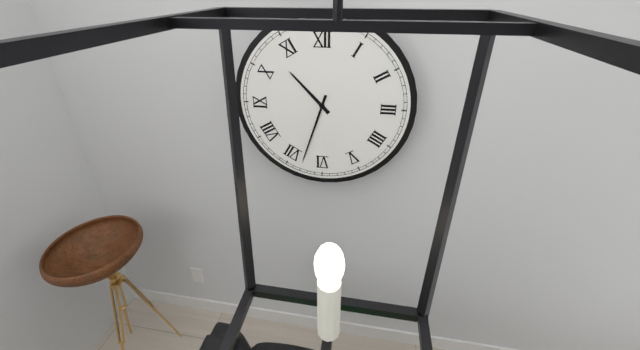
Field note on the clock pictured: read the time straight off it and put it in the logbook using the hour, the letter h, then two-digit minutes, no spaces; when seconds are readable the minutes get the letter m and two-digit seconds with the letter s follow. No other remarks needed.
10h33
